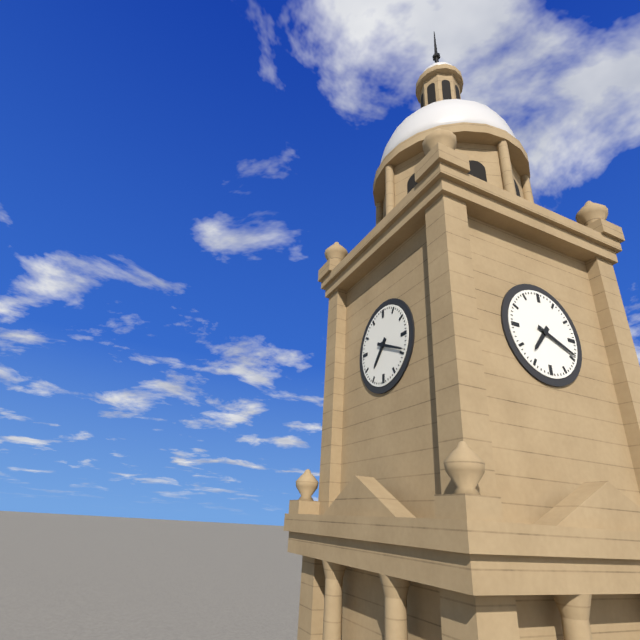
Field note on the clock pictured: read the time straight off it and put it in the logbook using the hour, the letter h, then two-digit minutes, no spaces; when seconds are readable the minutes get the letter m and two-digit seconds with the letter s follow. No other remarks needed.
7h19
